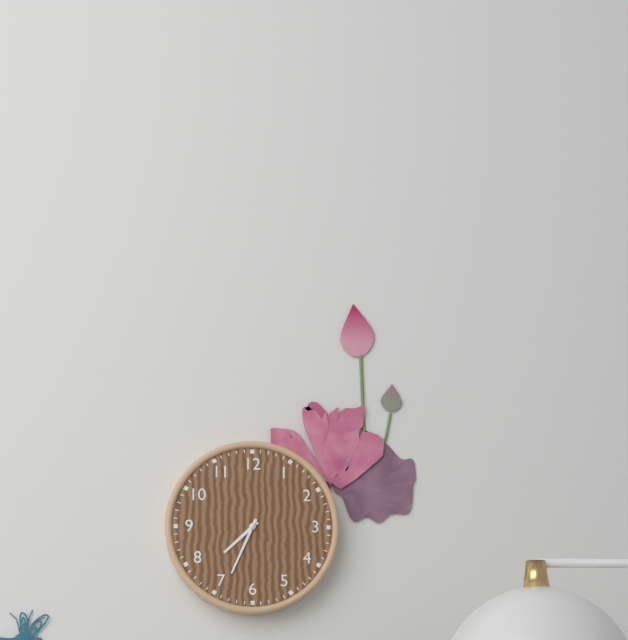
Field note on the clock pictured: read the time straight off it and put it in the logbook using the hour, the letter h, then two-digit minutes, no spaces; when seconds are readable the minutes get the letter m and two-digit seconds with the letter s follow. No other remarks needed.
7h34
